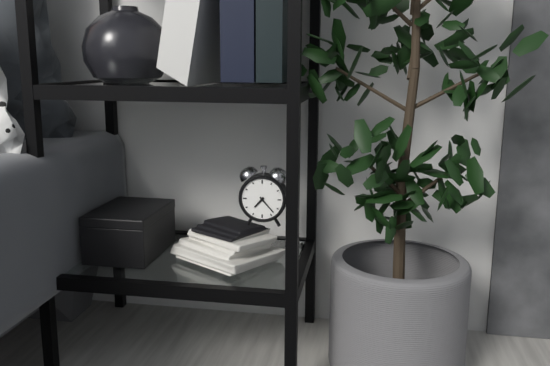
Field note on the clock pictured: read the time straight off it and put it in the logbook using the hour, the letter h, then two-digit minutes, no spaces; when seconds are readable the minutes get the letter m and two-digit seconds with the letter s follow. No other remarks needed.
7h23
